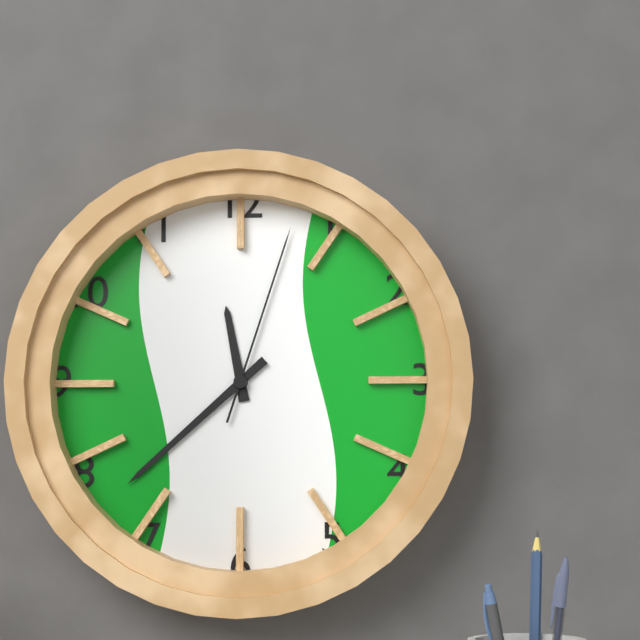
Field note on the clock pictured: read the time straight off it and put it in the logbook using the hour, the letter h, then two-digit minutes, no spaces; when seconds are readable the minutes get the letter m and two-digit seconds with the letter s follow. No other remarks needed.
11h38m03s
